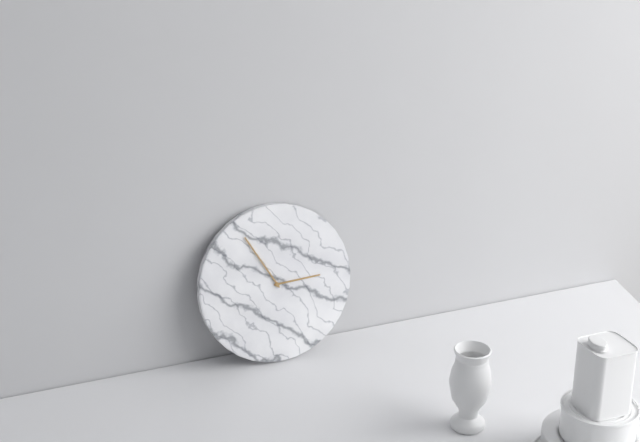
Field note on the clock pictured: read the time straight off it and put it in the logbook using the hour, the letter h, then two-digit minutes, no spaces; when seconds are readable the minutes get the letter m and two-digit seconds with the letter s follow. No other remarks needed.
2h55
